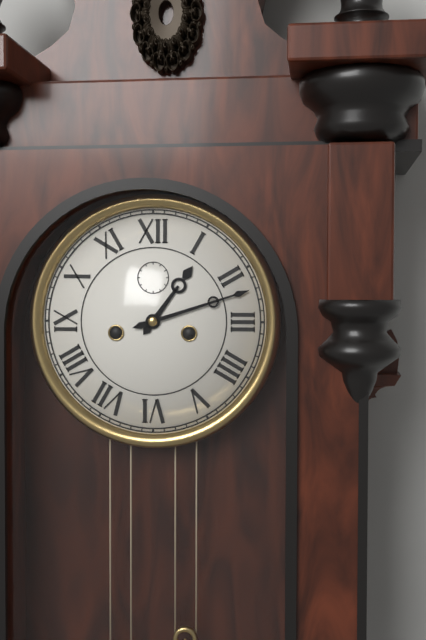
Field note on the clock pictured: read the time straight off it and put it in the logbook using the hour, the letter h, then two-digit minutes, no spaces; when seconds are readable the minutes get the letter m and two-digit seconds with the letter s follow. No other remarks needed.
1h12
